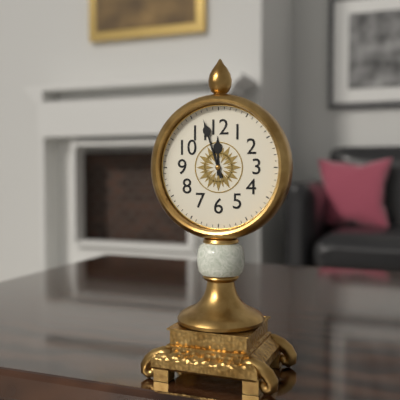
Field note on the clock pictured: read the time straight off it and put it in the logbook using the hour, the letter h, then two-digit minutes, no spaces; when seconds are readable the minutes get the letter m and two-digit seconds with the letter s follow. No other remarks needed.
11h57
